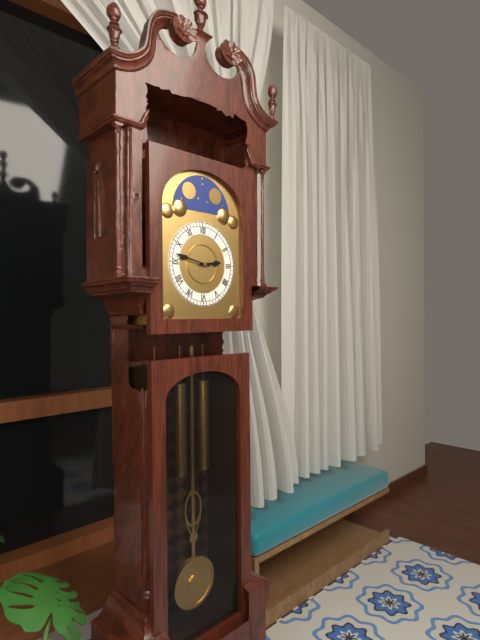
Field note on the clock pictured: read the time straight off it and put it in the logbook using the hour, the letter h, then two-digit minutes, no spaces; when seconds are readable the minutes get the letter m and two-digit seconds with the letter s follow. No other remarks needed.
2h47
